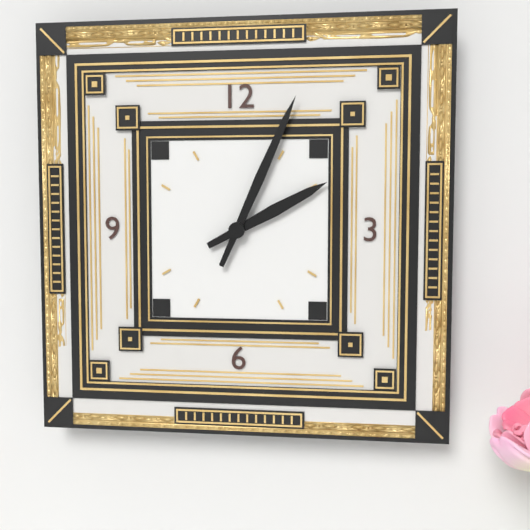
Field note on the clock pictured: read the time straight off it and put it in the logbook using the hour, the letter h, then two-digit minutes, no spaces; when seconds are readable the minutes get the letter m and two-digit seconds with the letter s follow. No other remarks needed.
2h04
